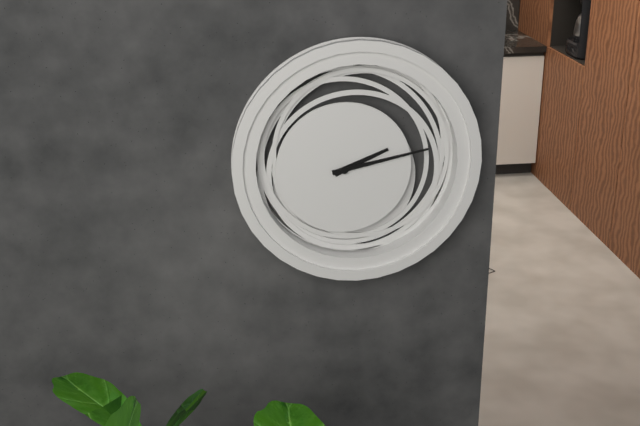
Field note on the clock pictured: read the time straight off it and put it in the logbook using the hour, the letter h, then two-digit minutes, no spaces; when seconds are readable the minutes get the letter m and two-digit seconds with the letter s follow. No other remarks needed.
2h13
